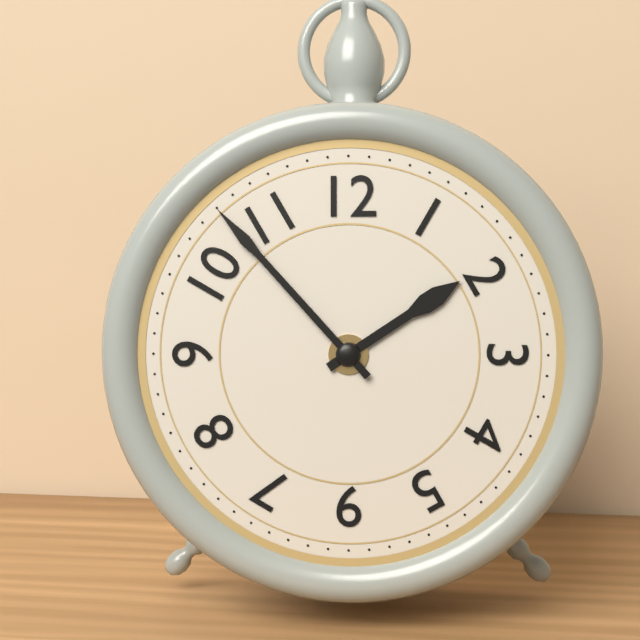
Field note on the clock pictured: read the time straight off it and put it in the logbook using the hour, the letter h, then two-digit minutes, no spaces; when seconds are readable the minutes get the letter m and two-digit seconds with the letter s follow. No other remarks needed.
1h53
